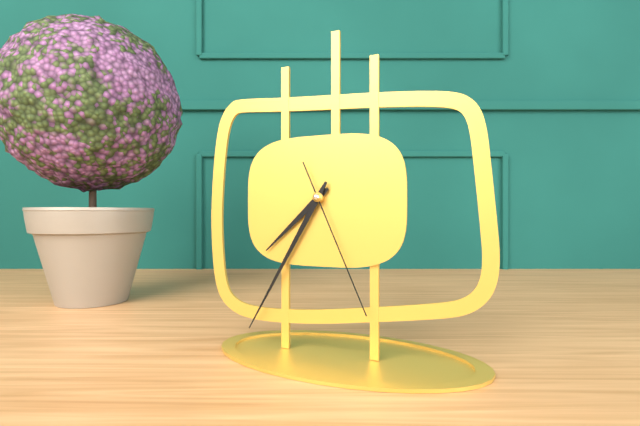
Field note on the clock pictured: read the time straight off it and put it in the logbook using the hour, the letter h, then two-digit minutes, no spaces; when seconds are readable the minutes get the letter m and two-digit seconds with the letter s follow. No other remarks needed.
7h35m26s
